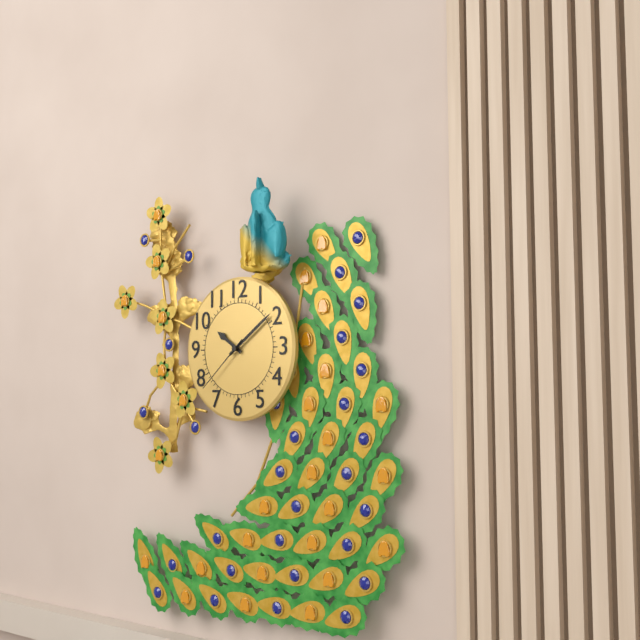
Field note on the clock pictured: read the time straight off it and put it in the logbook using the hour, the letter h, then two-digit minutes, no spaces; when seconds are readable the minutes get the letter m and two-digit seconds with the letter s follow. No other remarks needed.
10h09m38s
